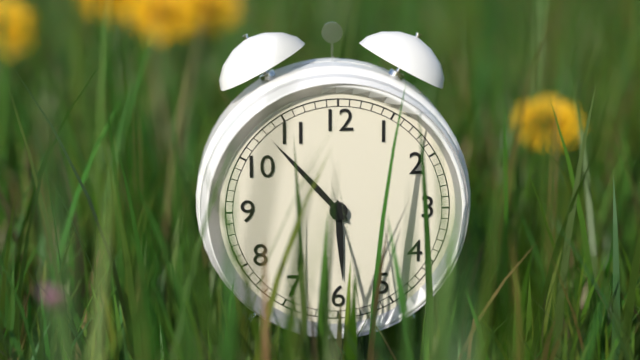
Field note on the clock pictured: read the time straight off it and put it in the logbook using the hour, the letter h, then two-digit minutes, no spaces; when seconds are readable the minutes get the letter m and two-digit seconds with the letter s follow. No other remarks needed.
5h53
